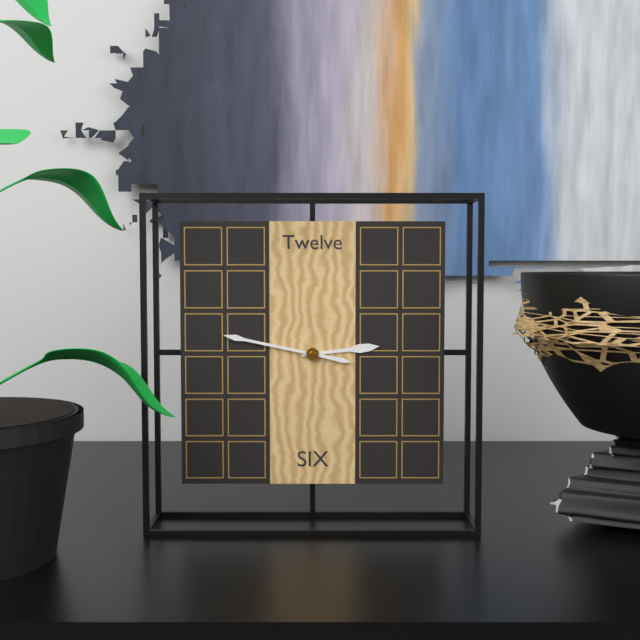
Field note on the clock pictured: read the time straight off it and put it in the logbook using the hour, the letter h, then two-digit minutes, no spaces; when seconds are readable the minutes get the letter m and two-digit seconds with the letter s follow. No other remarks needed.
2h47
